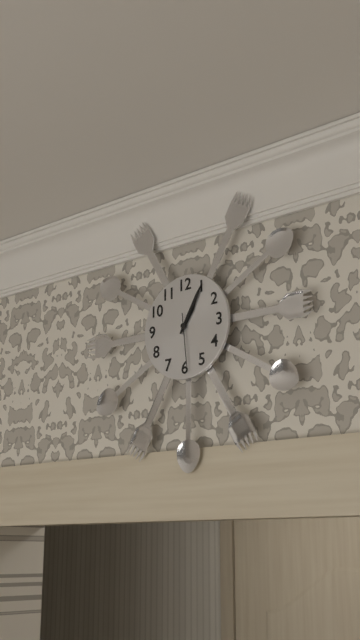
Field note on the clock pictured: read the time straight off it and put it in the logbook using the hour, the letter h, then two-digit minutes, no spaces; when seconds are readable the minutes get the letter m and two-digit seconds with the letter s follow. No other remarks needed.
1h05m29s
